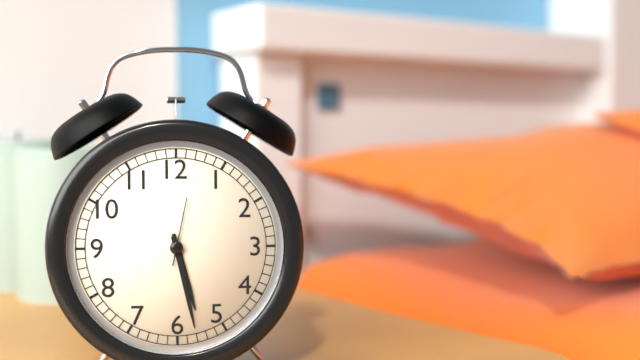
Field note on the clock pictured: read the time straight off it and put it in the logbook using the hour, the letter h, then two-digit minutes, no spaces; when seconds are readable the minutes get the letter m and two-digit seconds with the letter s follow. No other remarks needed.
5h28m02s
